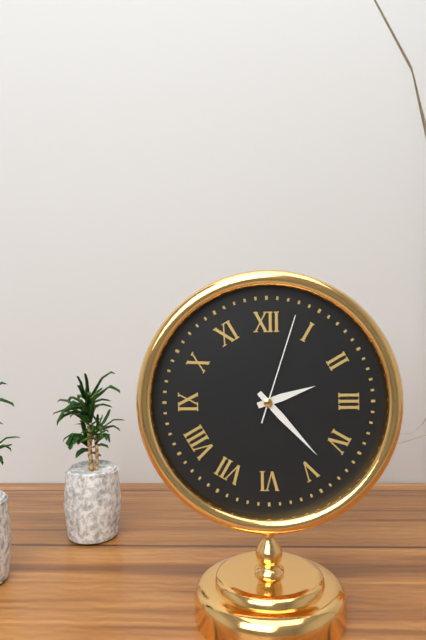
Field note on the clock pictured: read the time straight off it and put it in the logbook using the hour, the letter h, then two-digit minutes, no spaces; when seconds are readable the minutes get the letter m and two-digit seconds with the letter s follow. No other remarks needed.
2h23m03s
